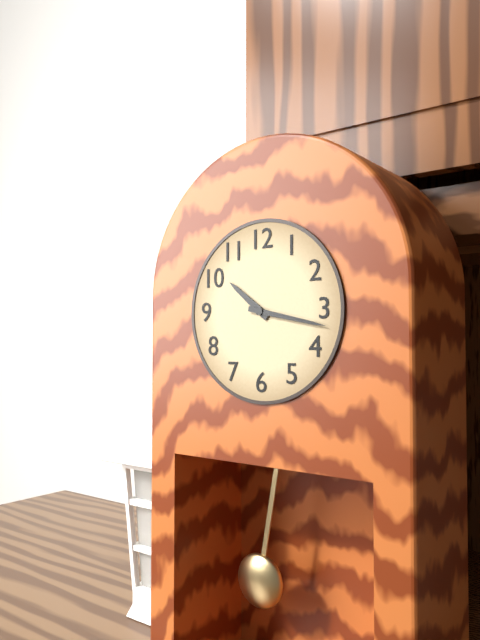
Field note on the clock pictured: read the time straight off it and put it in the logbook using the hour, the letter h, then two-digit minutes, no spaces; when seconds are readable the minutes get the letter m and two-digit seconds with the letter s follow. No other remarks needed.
10h17
